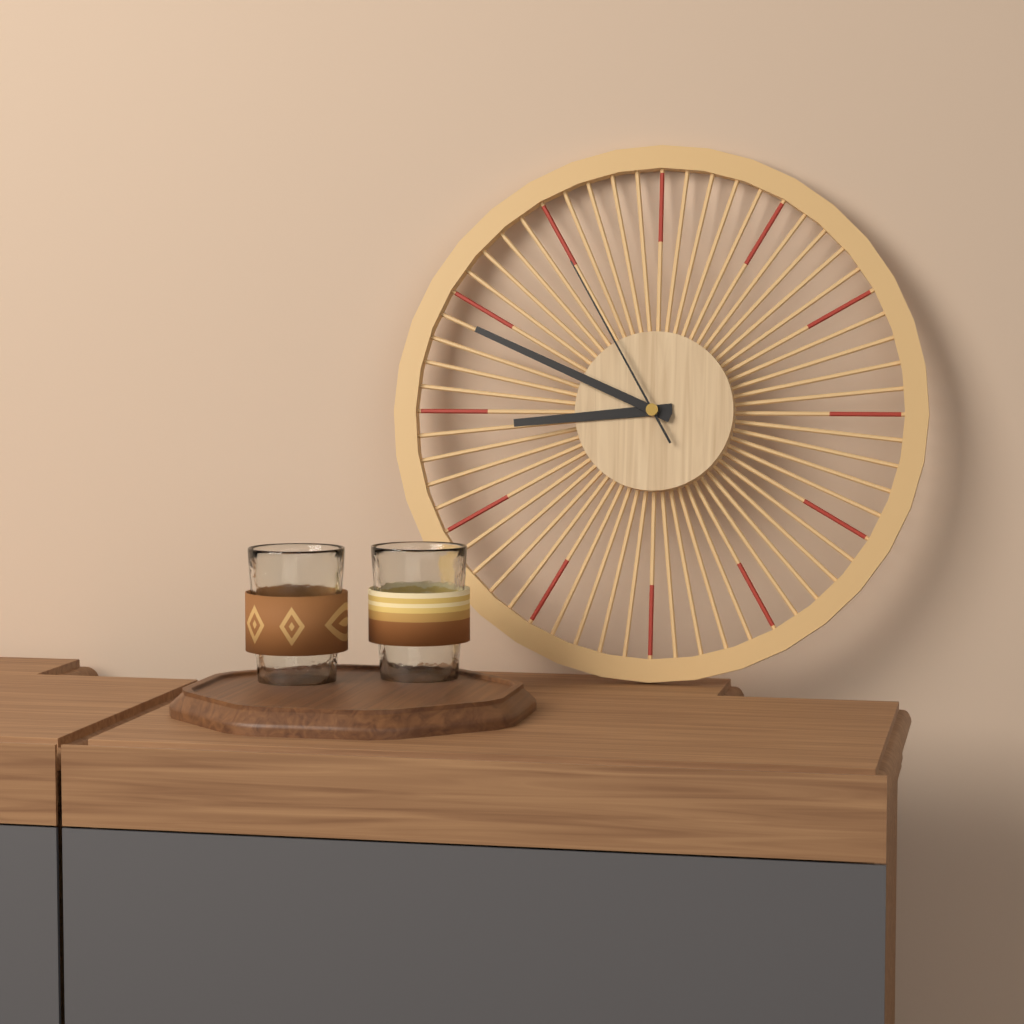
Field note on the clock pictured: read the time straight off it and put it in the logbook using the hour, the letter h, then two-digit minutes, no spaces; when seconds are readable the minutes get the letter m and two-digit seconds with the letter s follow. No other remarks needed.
8h49m55s
